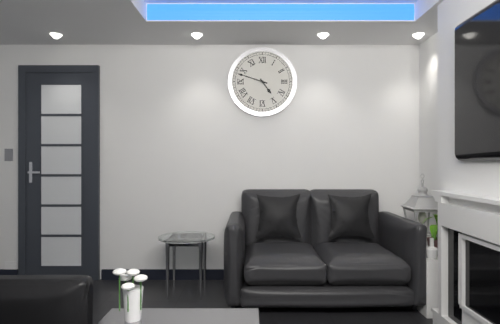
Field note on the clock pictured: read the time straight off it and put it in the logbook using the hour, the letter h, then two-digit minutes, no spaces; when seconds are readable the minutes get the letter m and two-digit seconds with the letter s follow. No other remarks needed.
4h48
